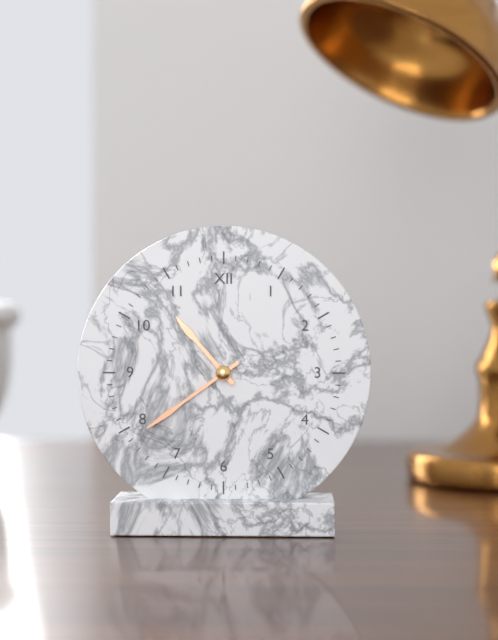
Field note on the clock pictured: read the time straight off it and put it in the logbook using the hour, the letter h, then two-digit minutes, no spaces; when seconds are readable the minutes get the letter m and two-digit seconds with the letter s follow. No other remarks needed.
10h39
